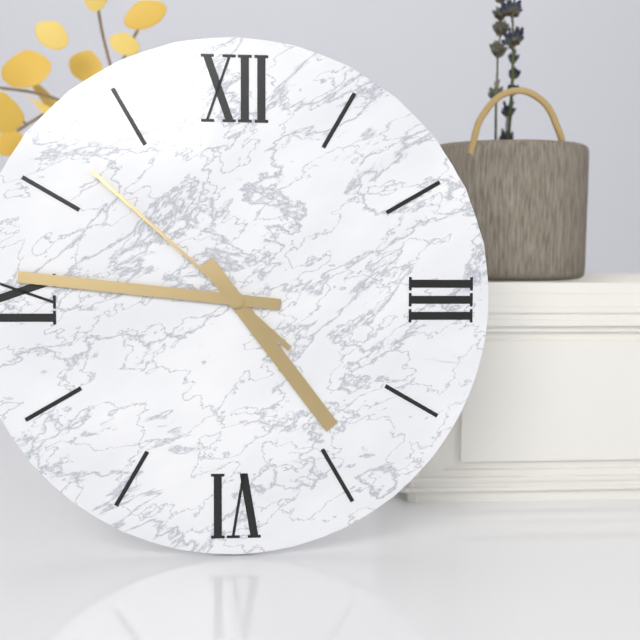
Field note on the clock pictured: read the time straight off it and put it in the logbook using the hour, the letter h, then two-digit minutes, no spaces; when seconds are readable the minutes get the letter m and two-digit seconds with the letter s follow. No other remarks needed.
4h46m52s
